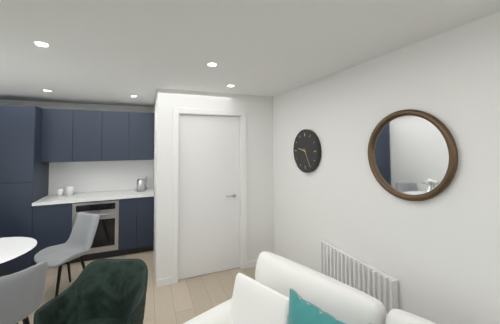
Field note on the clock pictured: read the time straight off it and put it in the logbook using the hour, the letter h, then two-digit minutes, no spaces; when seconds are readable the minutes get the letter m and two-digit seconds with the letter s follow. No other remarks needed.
9h25
